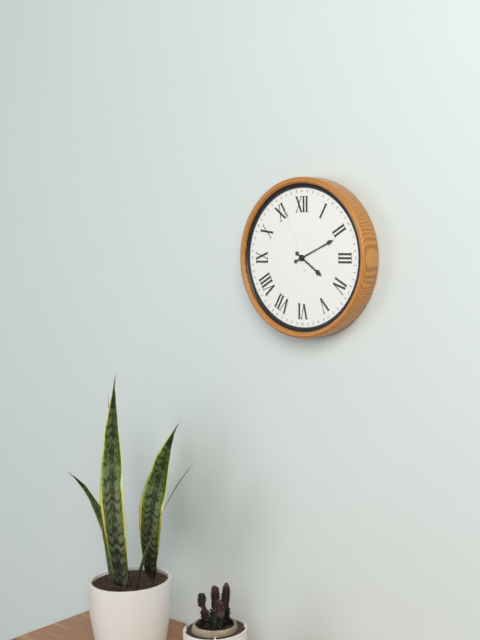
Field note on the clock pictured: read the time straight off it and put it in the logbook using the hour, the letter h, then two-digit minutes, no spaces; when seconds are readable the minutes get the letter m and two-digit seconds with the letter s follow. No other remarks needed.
4h11m56s
